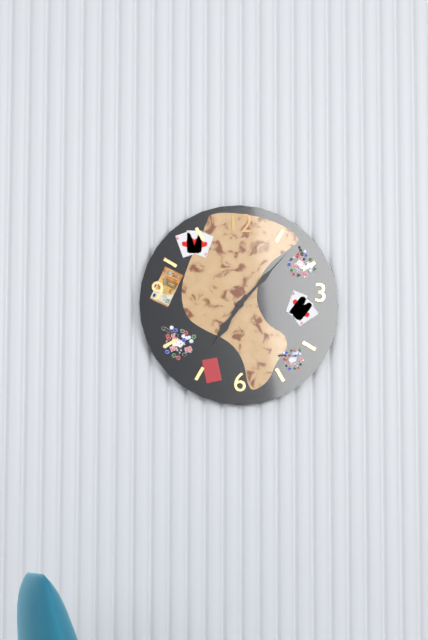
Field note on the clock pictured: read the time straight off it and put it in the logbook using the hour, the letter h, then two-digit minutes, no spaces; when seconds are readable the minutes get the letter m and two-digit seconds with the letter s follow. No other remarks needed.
7h07
